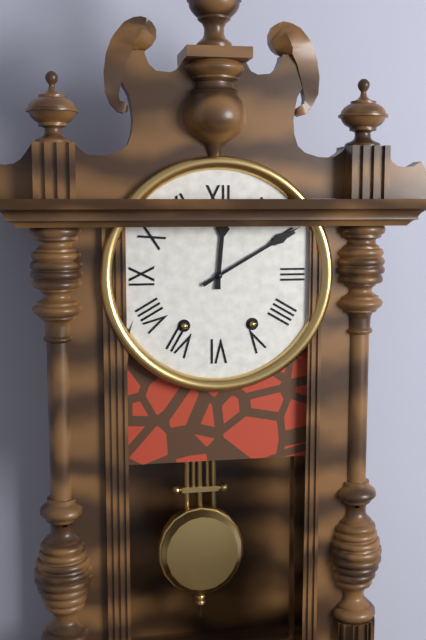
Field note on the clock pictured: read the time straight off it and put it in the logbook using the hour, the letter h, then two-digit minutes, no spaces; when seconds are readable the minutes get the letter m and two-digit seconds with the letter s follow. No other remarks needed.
12h10
